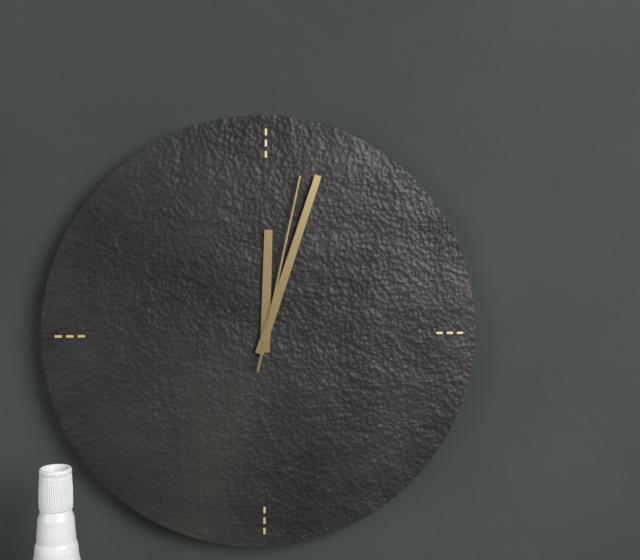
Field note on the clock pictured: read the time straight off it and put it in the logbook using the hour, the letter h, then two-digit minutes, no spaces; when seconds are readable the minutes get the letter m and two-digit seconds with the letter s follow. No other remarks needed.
12h03m02s
